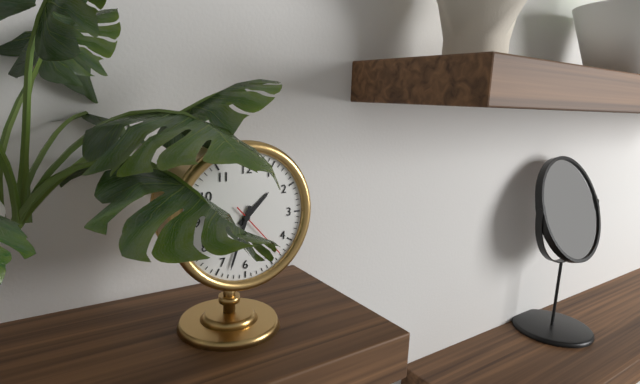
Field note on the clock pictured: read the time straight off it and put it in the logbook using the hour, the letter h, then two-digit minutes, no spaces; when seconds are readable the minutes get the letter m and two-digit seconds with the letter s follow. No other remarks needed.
1h33m23s
